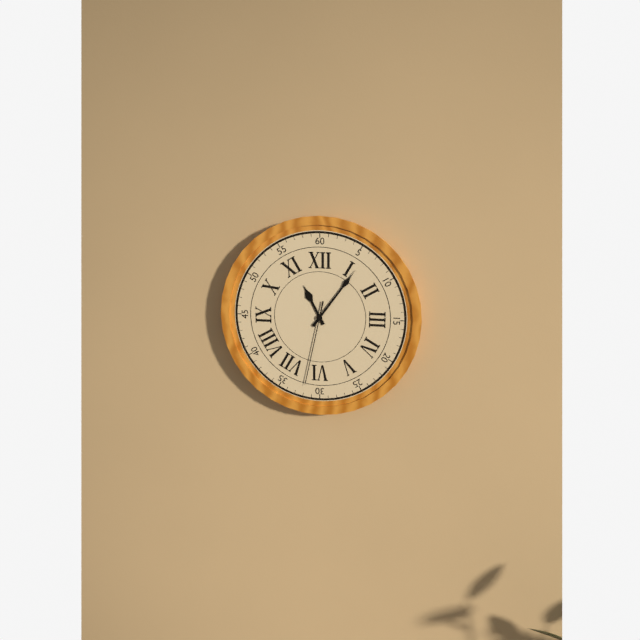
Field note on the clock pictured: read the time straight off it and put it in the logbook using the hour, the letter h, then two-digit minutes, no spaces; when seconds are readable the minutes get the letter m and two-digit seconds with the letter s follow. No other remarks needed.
11h06m32s
